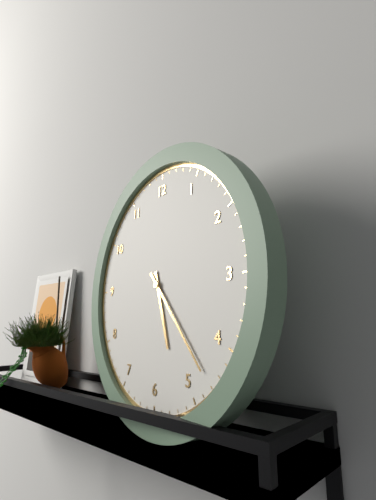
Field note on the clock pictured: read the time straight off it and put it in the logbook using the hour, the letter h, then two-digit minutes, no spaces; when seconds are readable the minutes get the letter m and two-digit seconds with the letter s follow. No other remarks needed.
5h23
